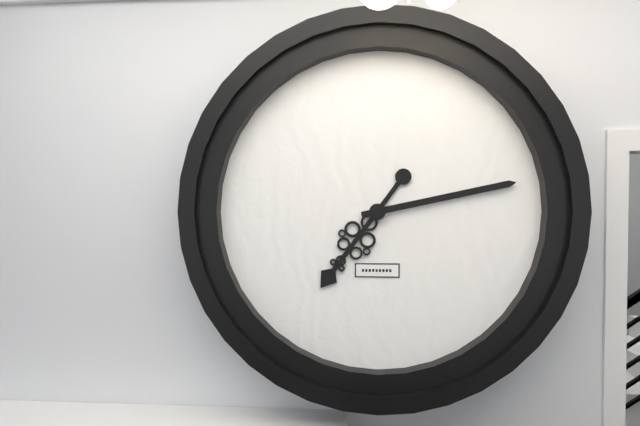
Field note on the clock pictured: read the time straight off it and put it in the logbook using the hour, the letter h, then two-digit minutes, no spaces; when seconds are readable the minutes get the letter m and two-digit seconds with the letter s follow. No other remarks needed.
7h13
